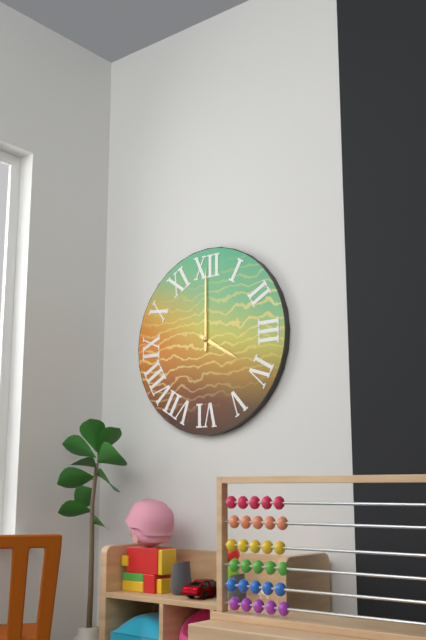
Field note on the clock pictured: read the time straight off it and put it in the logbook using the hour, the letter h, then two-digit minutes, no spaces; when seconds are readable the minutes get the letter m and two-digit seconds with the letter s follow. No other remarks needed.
4h00
